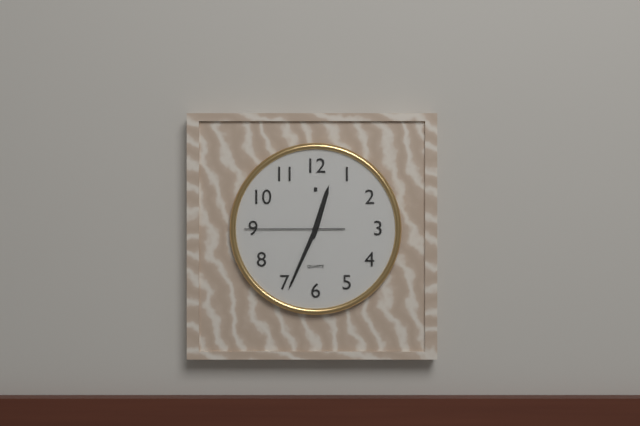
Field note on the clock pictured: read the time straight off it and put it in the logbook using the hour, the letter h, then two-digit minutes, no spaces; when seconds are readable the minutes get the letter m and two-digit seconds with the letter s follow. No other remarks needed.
12h34m45s
